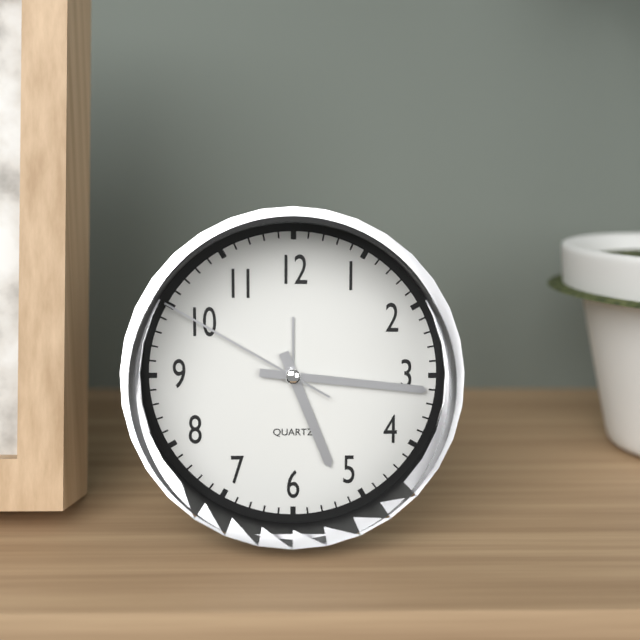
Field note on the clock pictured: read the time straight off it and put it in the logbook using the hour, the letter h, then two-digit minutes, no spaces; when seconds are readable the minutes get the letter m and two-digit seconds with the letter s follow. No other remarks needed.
5h16m50s
